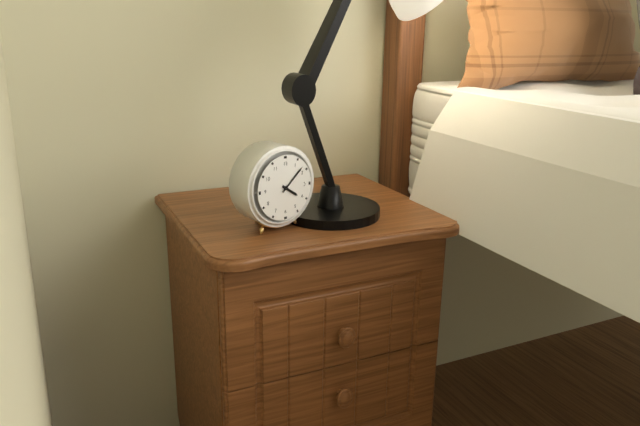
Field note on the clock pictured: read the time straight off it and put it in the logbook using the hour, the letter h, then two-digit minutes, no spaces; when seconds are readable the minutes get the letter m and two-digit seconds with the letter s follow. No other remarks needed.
4h08
